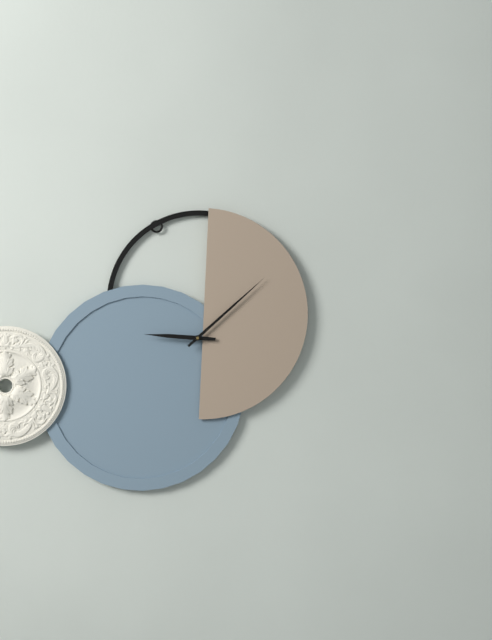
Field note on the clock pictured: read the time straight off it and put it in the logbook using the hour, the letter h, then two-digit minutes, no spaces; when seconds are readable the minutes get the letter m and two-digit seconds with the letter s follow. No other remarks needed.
9h08
